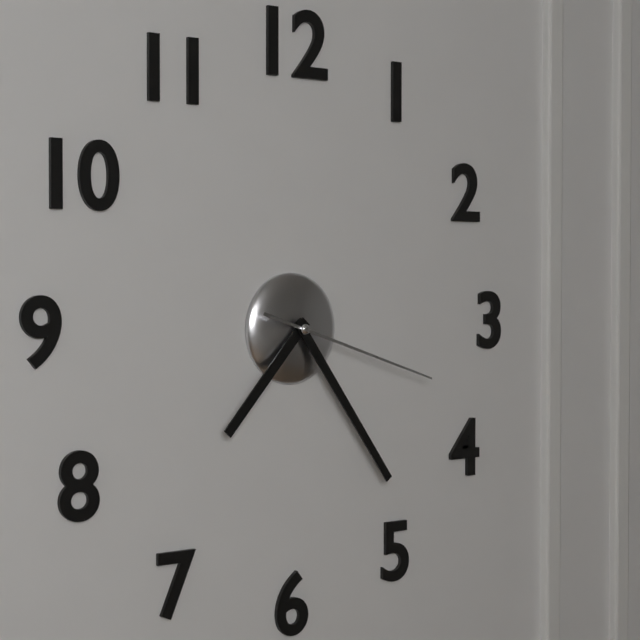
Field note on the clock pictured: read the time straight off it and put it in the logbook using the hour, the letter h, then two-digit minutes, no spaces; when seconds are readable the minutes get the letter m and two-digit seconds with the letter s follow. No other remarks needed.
7h24m18s
